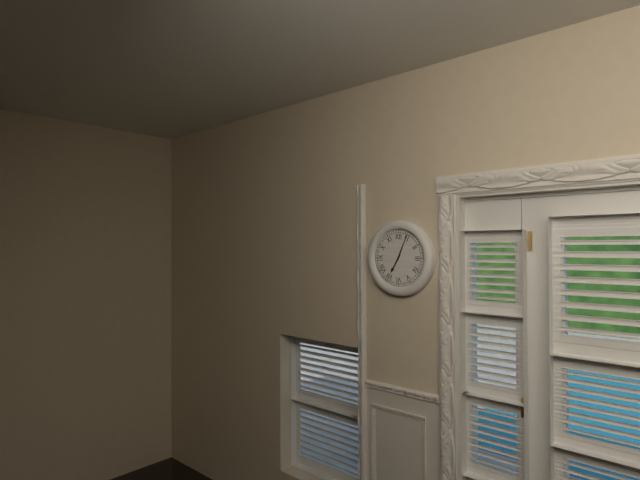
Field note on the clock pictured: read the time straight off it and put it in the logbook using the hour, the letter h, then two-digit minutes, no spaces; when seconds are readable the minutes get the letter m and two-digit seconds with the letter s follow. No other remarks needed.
7h04
